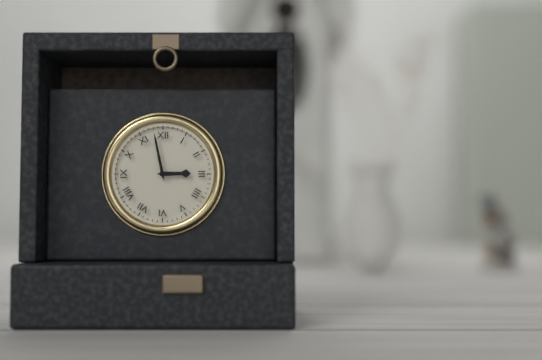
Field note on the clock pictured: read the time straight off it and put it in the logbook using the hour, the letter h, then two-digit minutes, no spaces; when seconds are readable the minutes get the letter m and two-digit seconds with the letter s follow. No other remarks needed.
2h58
